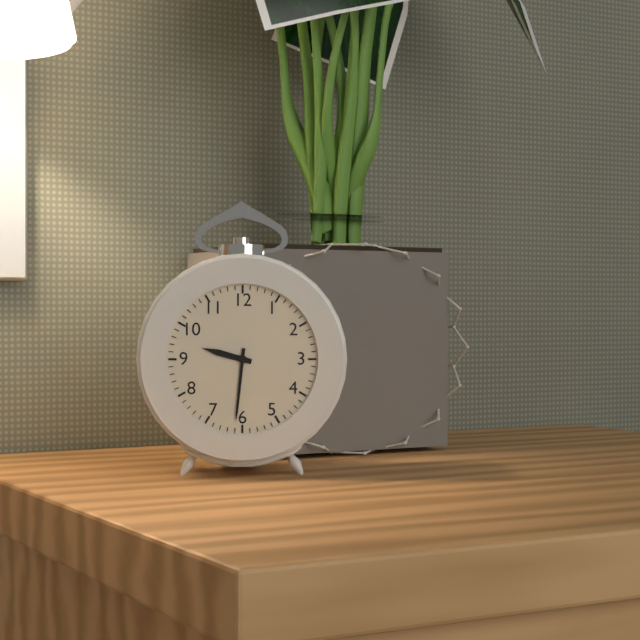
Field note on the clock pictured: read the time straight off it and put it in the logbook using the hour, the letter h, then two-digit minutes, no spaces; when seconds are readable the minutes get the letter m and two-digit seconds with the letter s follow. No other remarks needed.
9h31
